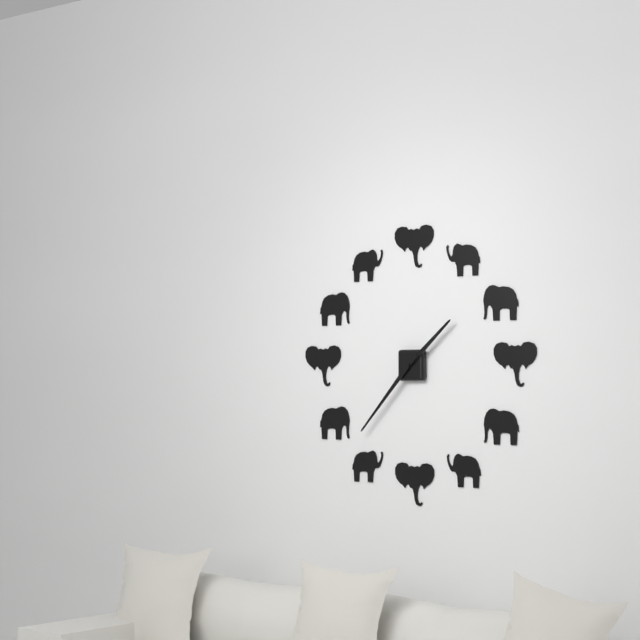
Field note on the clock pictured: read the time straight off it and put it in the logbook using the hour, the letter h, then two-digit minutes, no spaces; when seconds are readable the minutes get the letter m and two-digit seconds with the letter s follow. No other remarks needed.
1h37
